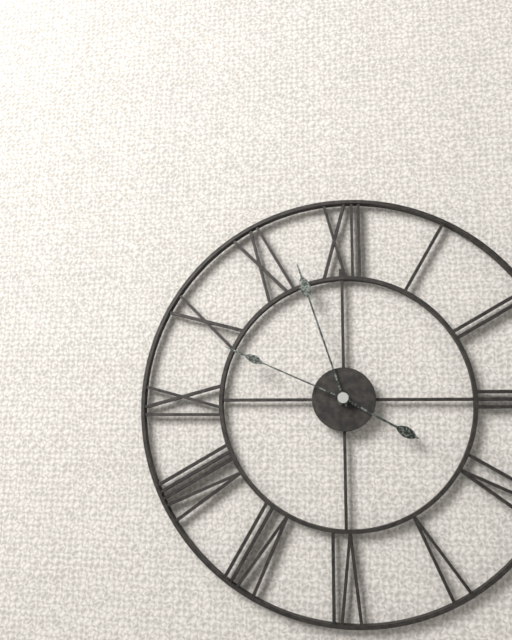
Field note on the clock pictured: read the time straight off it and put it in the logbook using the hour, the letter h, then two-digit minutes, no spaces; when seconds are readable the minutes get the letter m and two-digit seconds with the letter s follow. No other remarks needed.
3h57m49s
